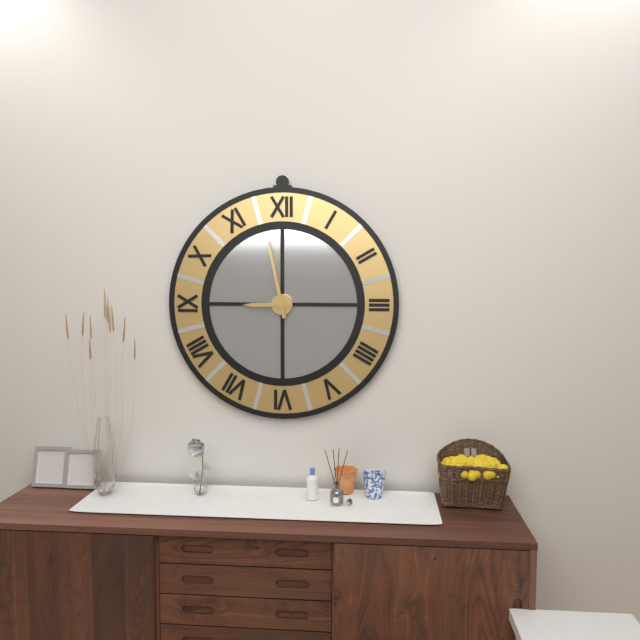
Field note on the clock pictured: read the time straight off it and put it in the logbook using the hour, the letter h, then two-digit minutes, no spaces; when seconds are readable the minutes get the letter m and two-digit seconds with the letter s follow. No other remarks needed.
8h58
